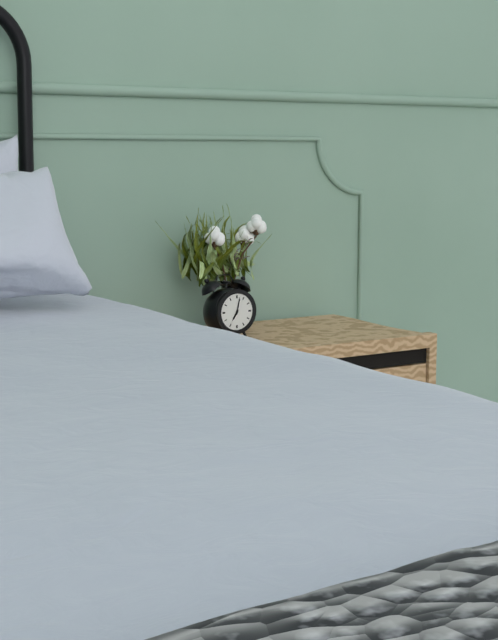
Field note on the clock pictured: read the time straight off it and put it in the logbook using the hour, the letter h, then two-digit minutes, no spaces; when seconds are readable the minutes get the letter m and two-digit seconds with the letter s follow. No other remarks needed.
7h02
